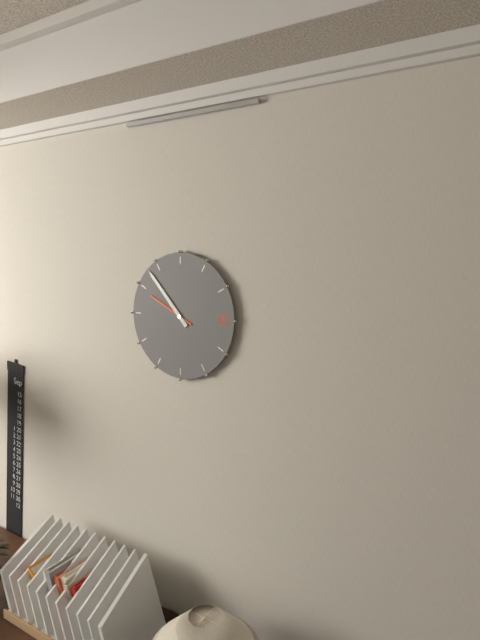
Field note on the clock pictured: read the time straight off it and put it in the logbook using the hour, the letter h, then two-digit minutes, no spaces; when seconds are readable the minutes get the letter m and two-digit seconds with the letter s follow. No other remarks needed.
9h53
